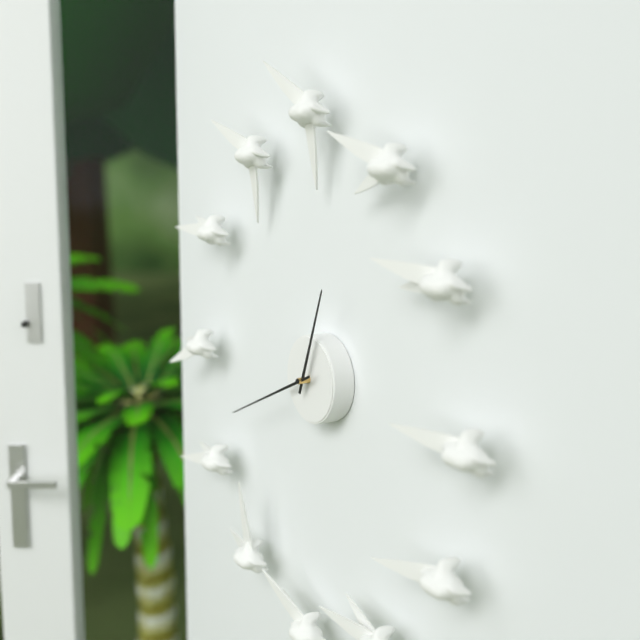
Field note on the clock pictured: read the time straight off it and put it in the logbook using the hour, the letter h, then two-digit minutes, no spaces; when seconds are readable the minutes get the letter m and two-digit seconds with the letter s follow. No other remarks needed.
12h41
